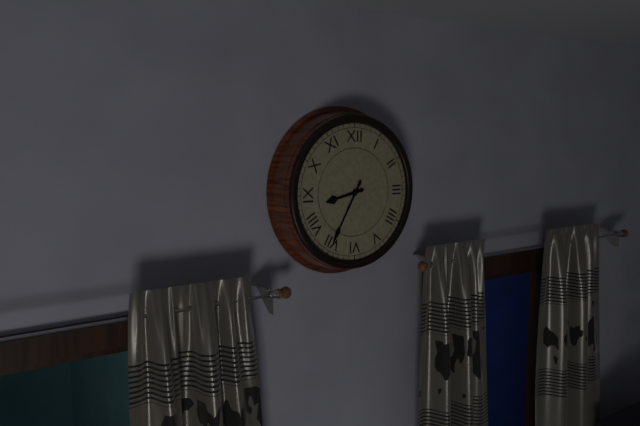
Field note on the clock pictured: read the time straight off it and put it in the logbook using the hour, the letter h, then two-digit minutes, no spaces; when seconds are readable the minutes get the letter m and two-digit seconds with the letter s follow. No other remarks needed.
8h35
